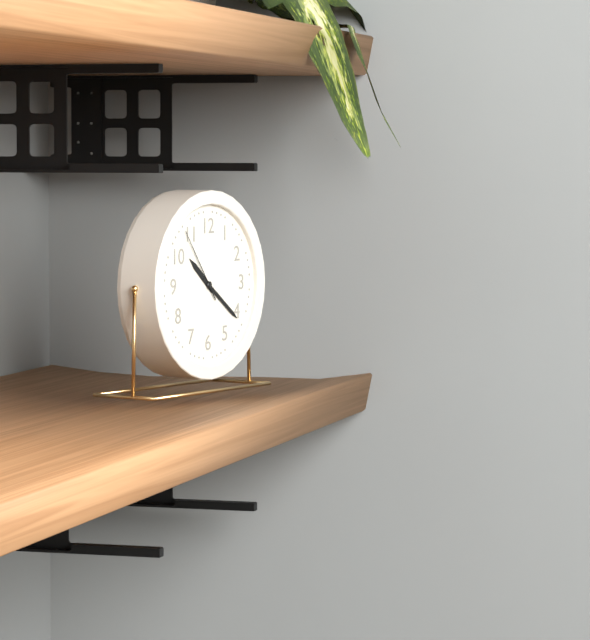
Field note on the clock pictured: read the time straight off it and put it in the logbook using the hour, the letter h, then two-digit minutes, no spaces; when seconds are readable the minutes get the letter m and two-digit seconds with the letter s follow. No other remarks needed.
10h21m54s
